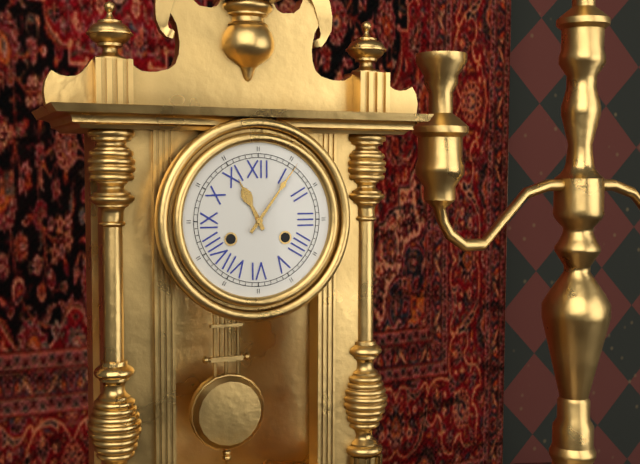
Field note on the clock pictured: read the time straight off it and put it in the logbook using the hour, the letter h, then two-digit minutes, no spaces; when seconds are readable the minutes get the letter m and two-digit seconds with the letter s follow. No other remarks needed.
11h06
